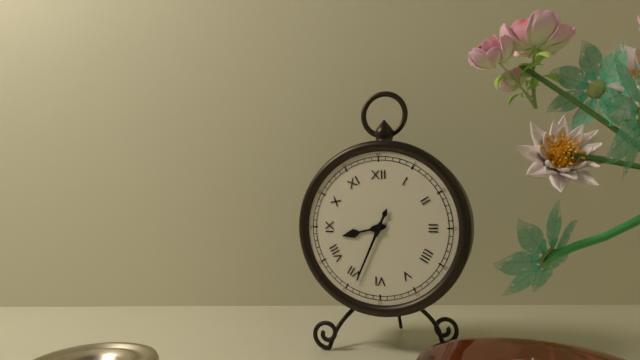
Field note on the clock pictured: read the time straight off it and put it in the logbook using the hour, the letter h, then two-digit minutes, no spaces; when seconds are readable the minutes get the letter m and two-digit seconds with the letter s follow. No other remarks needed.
8h34
